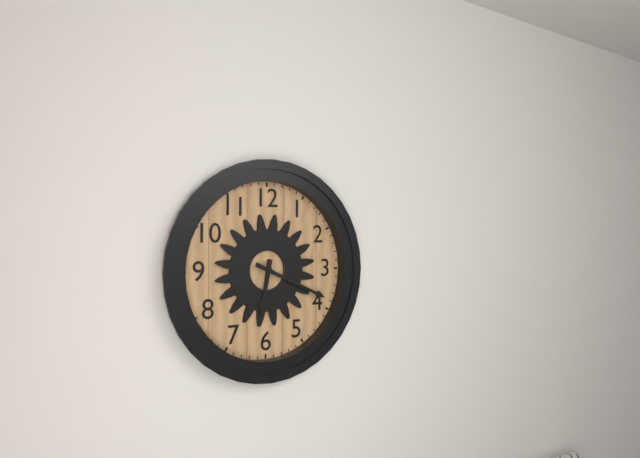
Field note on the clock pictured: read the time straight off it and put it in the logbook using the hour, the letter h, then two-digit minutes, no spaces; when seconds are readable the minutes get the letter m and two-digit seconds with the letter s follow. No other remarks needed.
6h19
